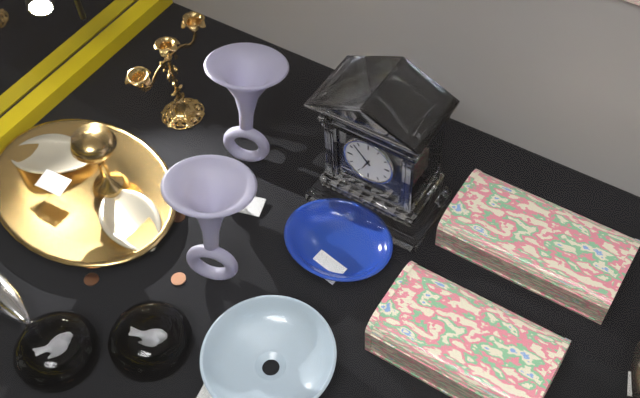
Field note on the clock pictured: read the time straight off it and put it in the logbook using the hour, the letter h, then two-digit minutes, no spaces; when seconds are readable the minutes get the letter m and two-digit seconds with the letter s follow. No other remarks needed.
6h53
